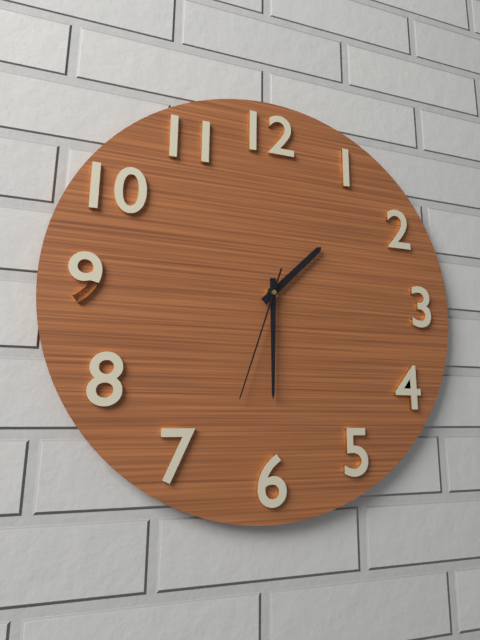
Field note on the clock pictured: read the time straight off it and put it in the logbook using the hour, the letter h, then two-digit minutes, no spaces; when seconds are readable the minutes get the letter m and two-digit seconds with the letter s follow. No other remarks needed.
1h30m33s
